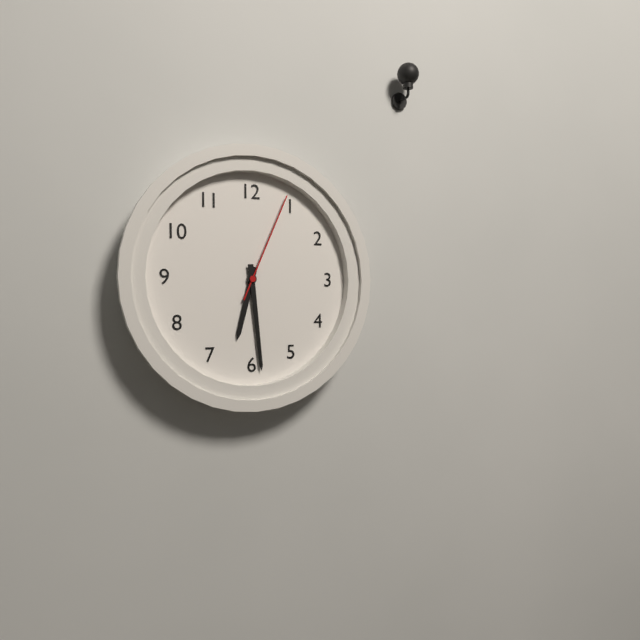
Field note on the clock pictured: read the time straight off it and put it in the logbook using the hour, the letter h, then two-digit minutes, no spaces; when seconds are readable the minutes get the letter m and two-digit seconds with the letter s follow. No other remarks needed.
6h29m04s
